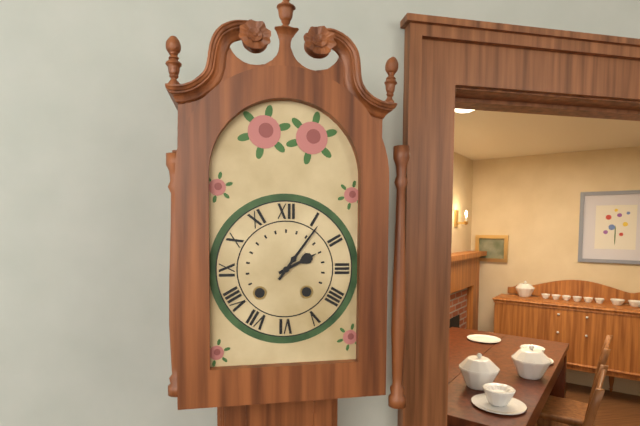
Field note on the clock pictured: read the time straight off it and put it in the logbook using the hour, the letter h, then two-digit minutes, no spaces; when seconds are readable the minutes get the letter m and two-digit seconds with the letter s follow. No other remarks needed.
2h06
